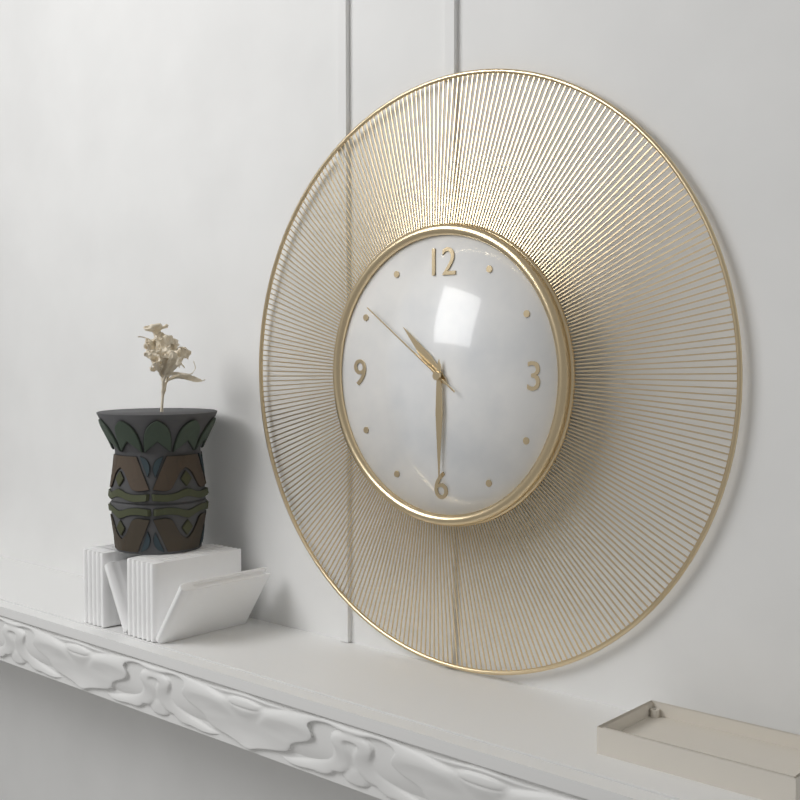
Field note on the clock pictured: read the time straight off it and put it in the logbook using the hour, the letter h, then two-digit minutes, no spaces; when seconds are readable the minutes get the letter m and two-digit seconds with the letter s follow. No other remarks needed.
10h30m51s
